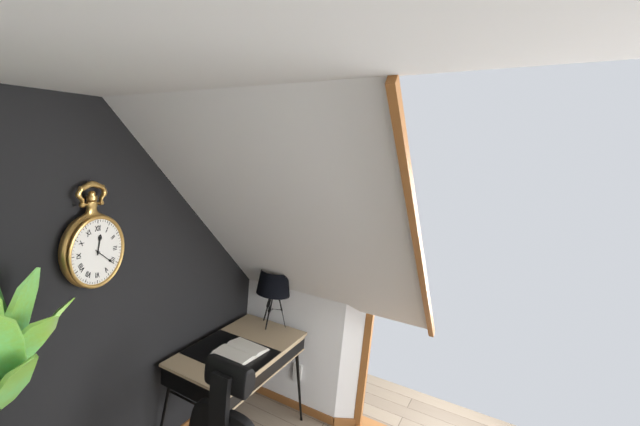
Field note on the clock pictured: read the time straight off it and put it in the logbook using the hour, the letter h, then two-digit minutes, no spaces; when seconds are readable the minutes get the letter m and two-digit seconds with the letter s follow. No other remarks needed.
12h21
